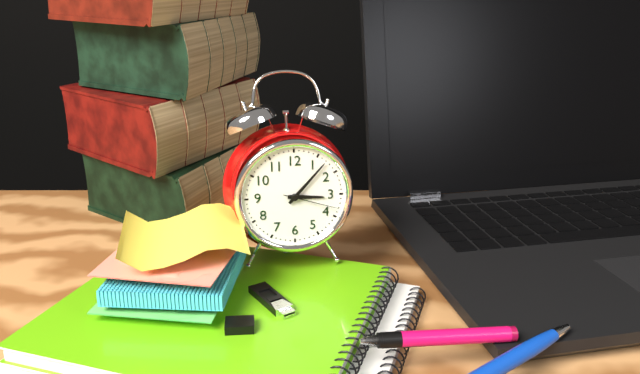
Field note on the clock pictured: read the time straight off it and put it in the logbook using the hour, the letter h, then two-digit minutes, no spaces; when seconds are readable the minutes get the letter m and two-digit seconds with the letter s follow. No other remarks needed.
3h07m18s
